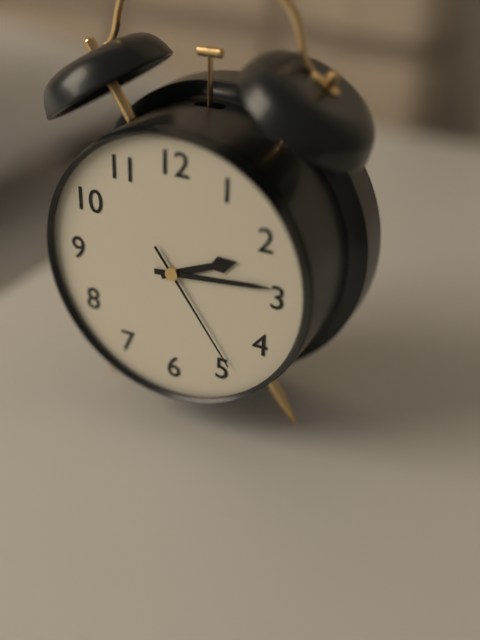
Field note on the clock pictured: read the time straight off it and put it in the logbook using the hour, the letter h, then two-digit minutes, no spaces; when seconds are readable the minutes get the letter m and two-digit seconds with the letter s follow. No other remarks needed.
2h14m24s
